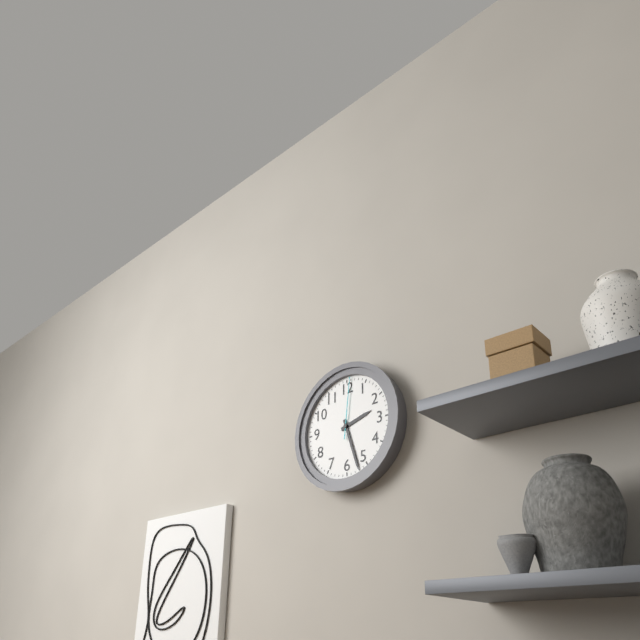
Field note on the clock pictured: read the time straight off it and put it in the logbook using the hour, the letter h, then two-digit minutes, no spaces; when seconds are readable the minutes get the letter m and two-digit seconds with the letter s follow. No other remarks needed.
2h27m01s
